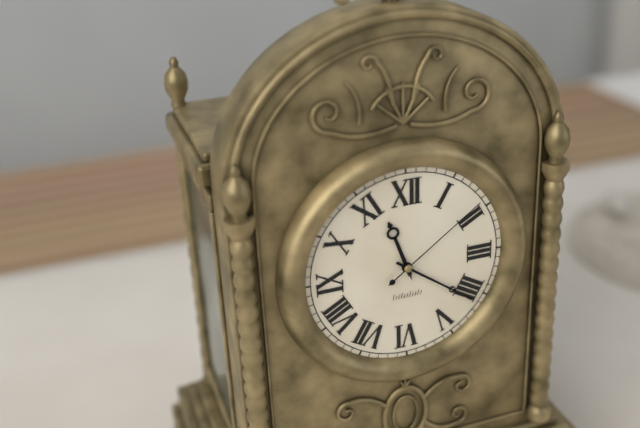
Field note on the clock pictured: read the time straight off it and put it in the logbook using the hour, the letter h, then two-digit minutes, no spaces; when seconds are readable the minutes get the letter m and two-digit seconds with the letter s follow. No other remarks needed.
11h21m09s
